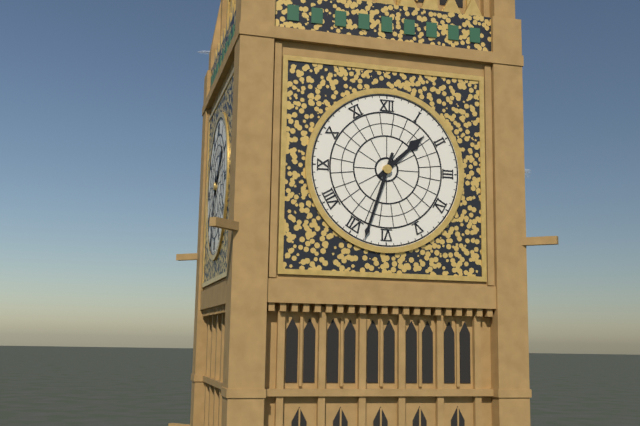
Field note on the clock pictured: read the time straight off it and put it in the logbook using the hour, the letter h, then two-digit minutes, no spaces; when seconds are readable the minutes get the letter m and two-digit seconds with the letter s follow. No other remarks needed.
1h33
